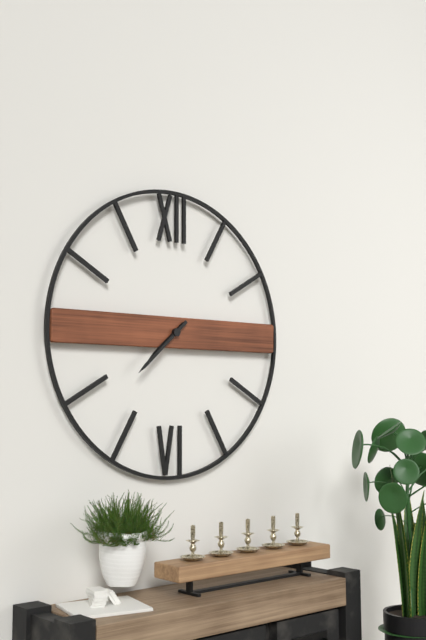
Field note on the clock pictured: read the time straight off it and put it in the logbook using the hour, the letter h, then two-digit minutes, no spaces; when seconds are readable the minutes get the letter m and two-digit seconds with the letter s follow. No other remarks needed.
7h38
